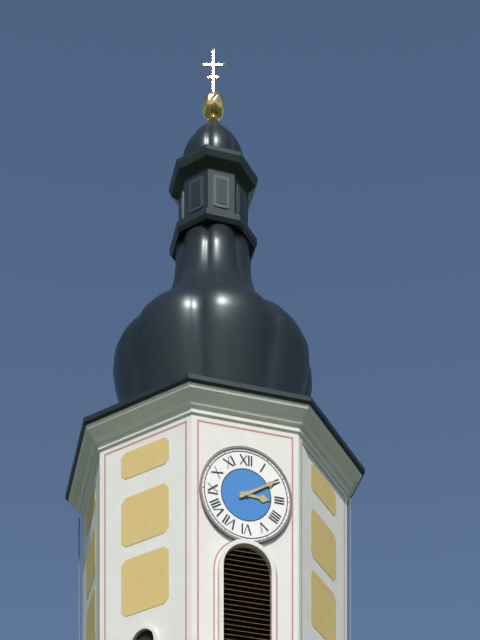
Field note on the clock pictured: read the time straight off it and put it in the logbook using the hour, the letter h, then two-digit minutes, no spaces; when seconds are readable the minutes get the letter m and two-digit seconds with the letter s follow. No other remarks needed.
3h10
